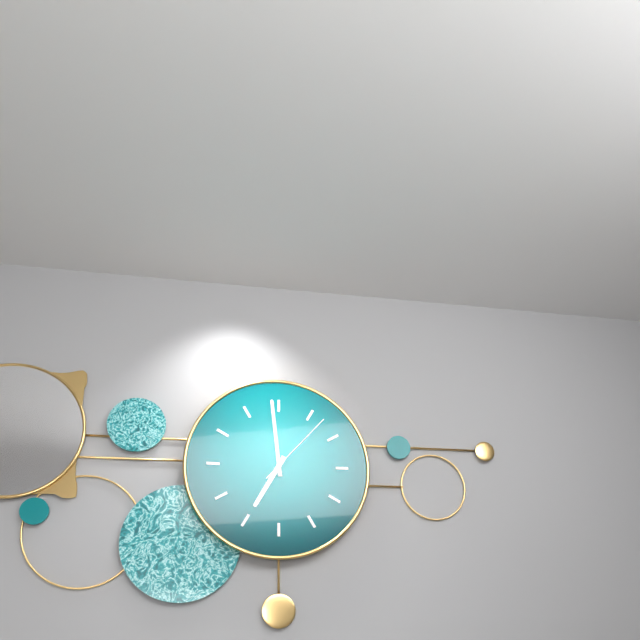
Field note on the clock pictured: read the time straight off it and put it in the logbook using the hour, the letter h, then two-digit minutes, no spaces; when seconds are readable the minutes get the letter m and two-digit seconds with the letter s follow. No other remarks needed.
6h59m07s
